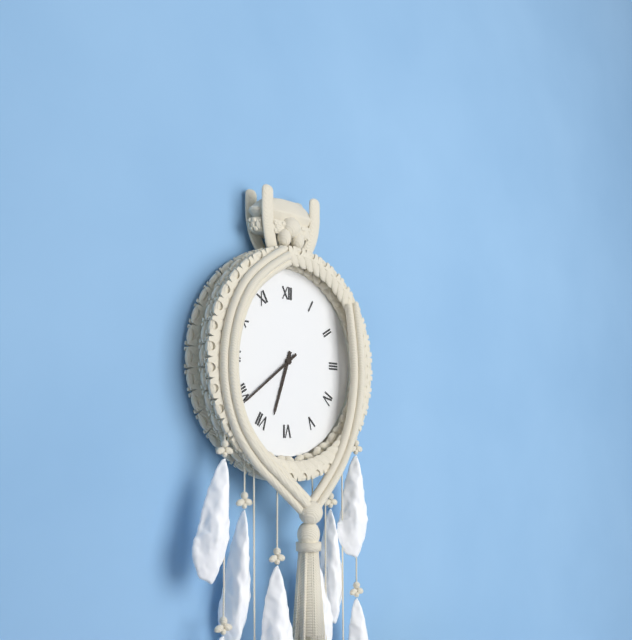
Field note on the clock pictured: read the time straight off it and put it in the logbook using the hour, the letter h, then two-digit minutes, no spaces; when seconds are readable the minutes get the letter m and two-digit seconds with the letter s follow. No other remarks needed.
6h39
